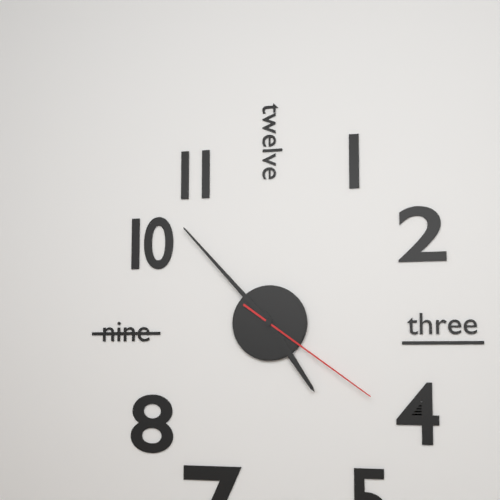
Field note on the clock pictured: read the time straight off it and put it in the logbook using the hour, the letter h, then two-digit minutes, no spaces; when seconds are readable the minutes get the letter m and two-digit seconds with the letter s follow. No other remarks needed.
4h53m21s
